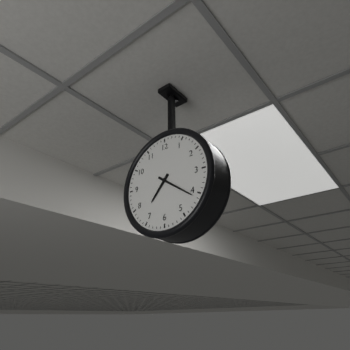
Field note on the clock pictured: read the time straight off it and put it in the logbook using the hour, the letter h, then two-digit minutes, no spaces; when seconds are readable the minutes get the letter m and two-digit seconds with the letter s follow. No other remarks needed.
7h21
